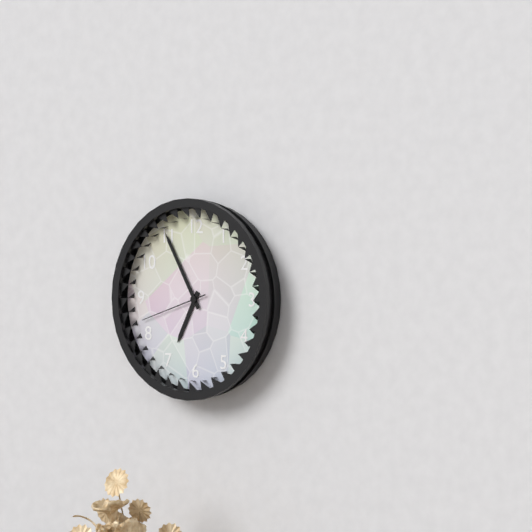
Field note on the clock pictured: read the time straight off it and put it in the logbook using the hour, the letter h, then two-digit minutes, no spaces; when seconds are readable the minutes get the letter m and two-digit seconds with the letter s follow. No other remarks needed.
6h55m42s
